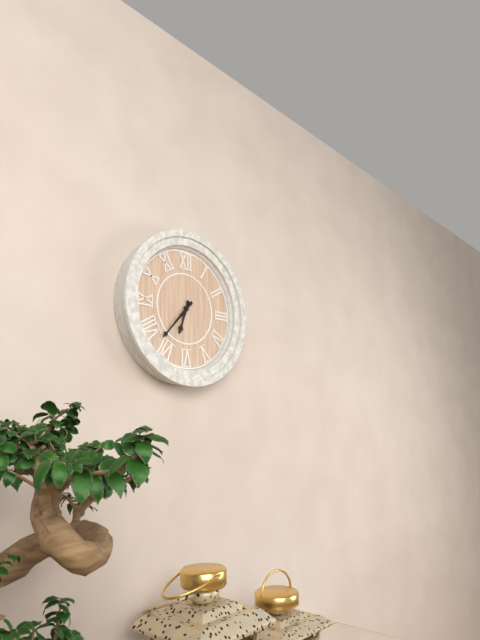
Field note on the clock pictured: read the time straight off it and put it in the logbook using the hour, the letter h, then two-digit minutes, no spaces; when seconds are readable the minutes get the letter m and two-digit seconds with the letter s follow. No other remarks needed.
6h37
